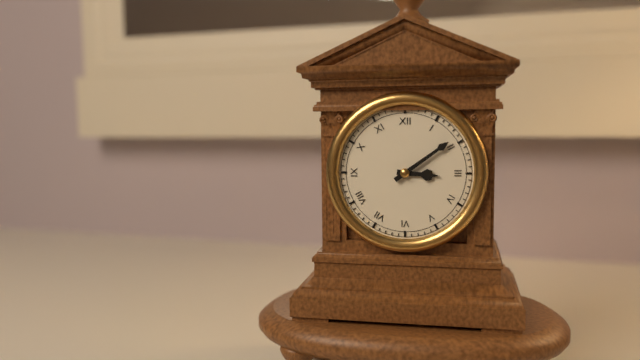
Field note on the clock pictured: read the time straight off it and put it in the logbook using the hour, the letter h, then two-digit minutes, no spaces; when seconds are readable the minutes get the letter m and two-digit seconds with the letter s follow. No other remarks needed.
3h09
